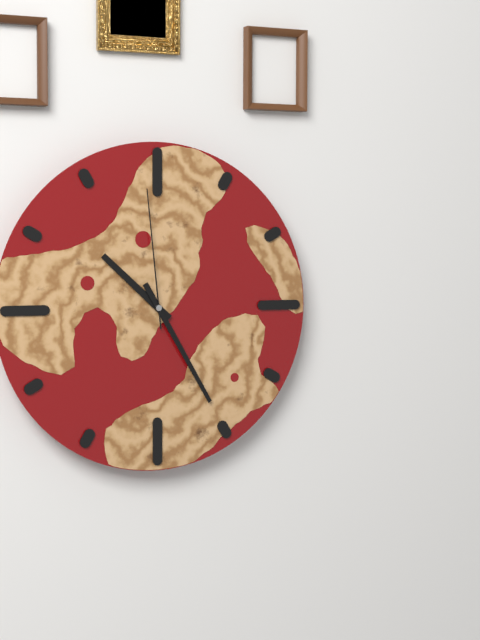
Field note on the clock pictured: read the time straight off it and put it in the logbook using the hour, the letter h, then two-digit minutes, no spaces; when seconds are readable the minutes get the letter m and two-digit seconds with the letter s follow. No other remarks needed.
10h25m59s
